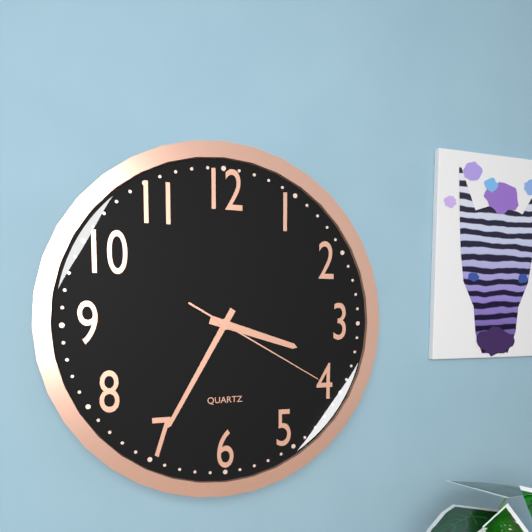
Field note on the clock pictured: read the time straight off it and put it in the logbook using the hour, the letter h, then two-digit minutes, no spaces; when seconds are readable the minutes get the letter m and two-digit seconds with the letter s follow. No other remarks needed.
3h35m20s
